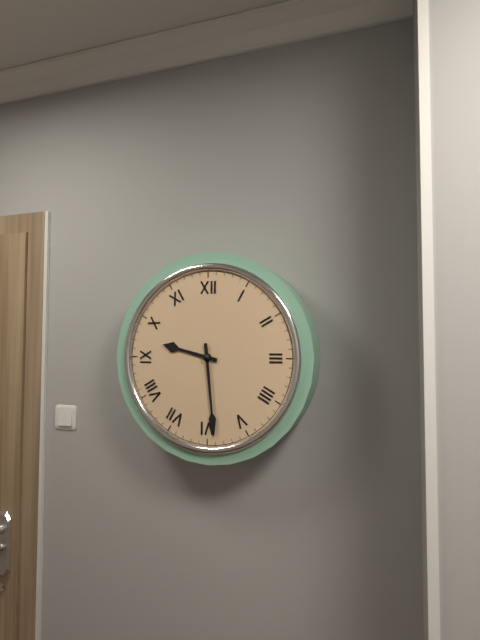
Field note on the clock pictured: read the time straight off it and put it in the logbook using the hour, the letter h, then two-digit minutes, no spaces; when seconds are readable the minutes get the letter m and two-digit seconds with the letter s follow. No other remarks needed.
9h29
